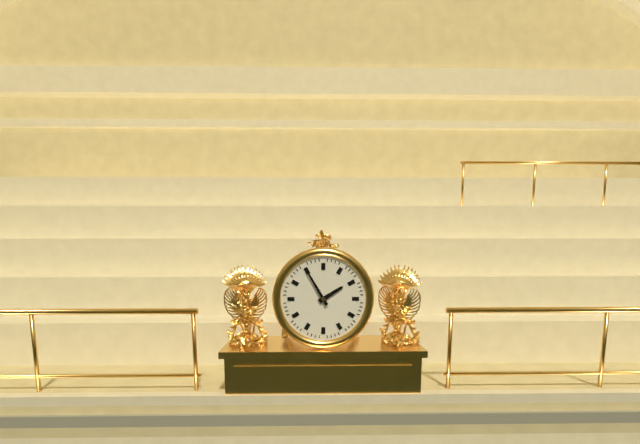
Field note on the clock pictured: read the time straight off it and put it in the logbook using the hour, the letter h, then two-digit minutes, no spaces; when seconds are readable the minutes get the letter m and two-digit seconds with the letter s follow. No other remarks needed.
1h55
